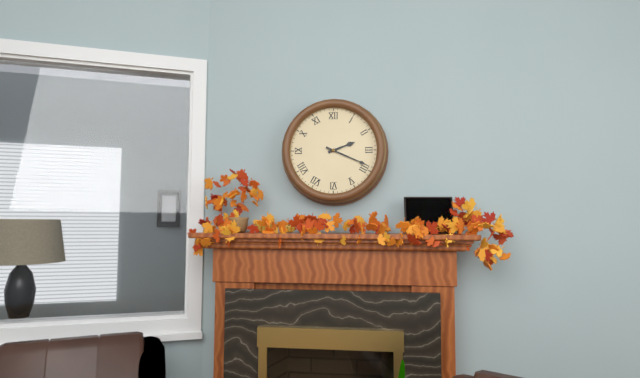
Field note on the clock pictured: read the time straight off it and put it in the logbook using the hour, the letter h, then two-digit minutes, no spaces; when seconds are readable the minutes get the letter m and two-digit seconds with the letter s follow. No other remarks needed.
2h19
